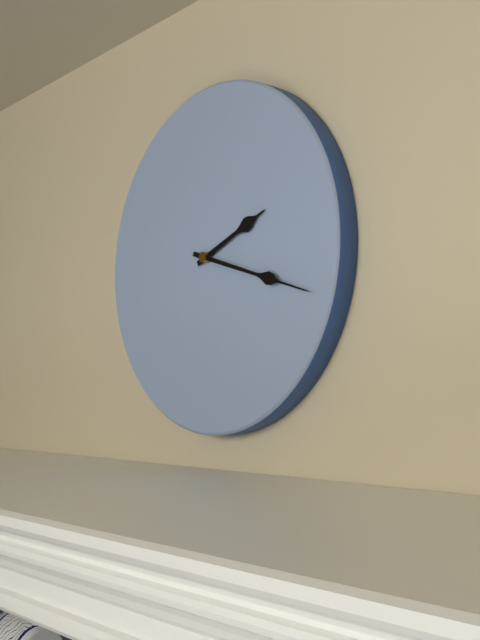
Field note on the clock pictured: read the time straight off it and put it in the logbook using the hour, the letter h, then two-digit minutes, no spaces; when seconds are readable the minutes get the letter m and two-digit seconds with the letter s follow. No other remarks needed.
2h18
